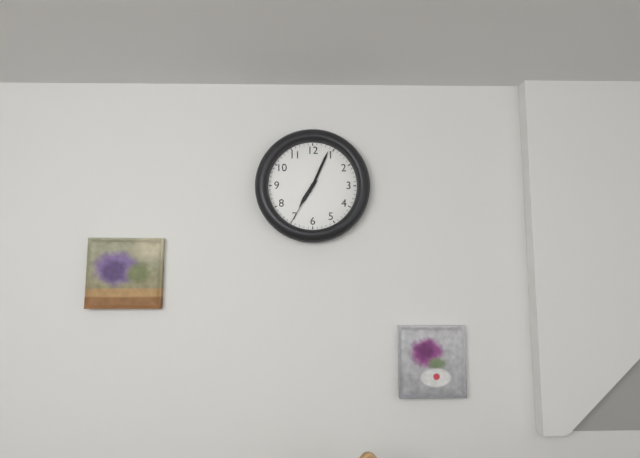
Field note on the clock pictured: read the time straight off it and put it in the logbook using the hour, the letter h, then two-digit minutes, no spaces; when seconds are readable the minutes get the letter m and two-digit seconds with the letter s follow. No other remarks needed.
7h04m35s
